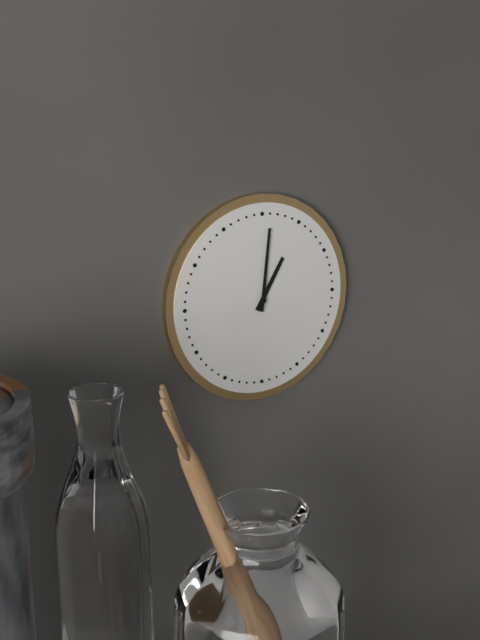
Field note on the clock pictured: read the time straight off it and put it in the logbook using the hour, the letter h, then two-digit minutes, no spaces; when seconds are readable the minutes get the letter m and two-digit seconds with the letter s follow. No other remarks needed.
1h01
